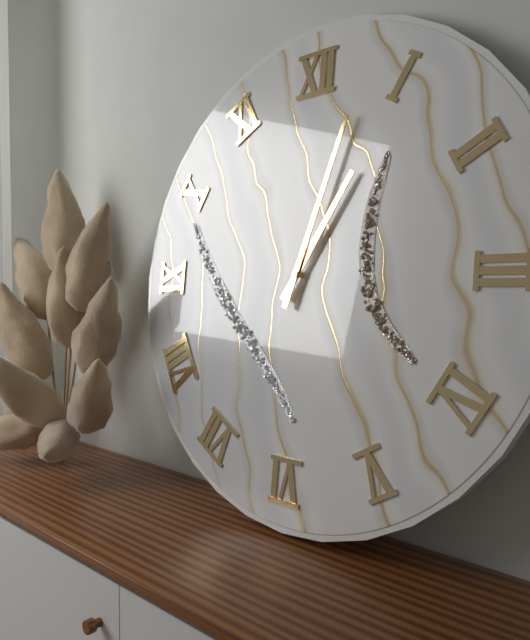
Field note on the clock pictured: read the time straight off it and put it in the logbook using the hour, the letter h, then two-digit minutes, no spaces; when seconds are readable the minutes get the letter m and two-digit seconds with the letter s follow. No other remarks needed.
1h03
